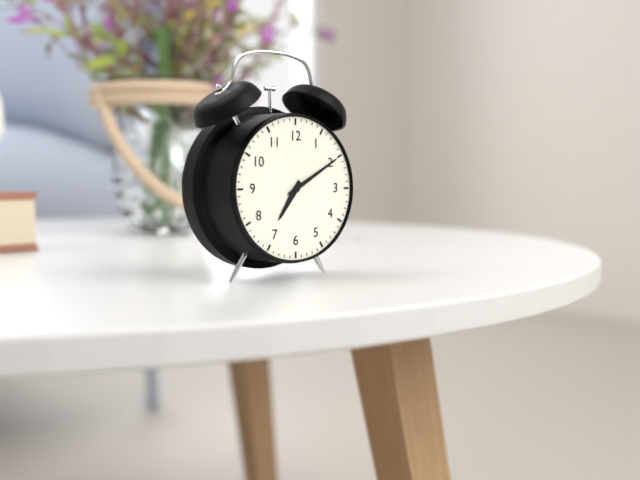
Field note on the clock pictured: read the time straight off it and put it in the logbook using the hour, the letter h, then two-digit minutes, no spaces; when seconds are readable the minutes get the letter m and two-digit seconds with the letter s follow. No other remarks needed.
7h10
